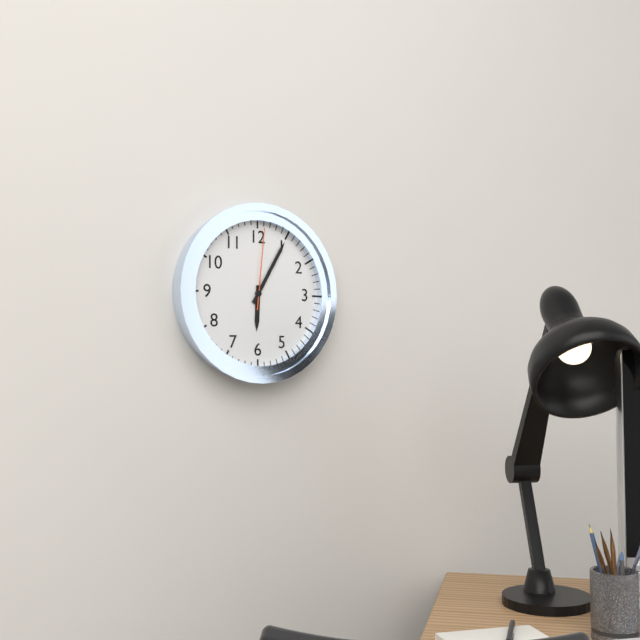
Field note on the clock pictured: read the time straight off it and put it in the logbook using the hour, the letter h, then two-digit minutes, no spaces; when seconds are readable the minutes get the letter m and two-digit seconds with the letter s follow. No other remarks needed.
6h05m01s
